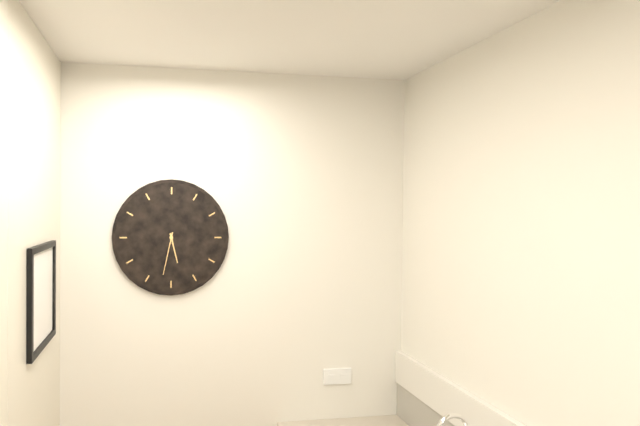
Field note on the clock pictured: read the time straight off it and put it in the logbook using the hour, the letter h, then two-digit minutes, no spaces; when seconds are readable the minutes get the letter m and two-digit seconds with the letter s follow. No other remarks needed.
5h32
